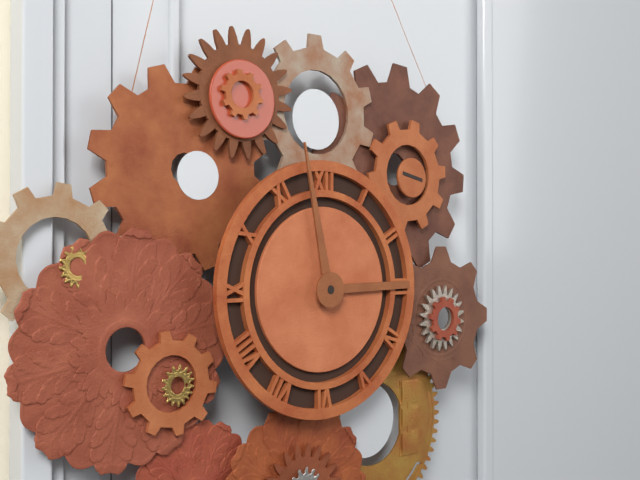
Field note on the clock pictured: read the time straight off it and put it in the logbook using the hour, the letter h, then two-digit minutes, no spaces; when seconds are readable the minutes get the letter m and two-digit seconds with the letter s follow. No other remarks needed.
2h58
